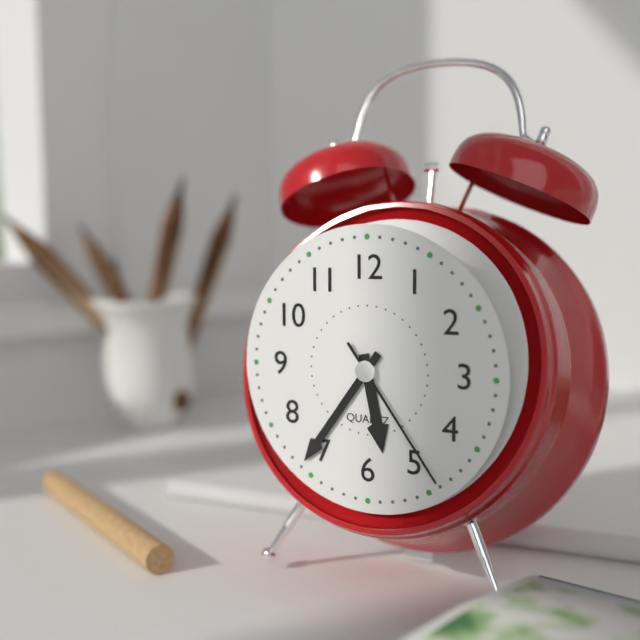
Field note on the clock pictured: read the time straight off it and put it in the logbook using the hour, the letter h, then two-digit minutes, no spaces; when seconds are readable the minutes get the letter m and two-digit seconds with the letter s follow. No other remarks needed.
5h36m24s
